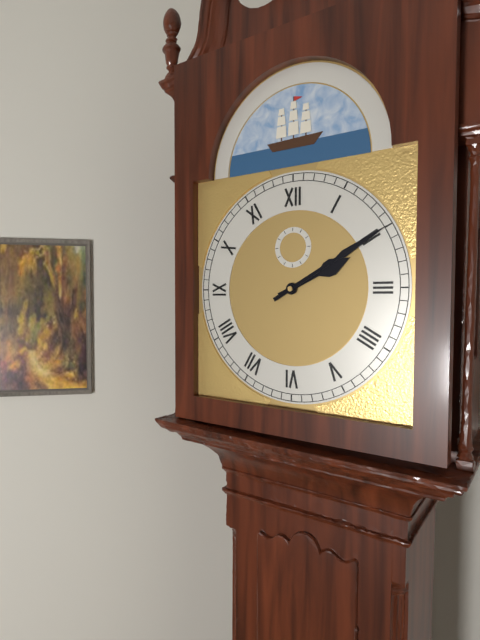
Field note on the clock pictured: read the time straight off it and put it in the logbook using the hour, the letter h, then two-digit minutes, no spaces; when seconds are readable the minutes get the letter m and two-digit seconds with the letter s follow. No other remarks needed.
2h10
